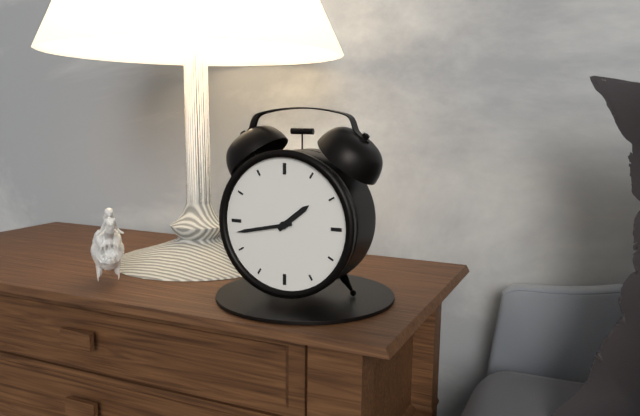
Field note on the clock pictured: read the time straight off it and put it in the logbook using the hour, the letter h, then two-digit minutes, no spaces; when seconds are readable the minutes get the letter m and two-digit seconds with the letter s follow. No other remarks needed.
1h43
